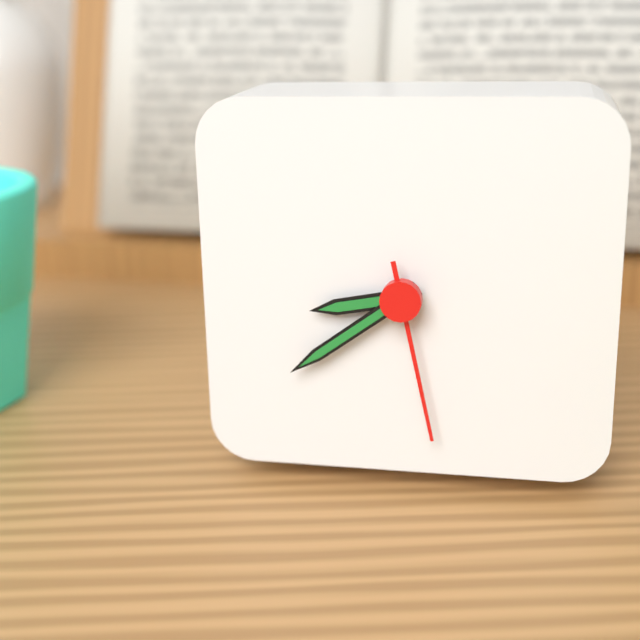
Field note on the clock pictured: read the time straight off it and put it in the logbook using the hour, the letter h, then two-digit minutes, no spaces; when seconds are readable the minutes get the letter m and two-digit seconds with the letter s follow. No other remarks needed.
8h39m28s
